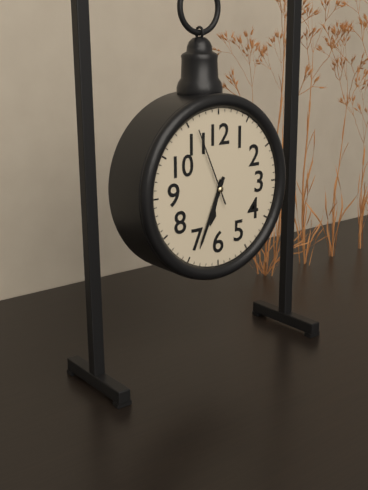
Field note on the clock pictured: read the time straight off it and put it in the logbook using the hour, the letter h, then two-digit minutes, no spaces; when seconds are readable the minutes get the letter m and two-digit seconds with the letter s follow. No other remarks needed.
6h34m56s
